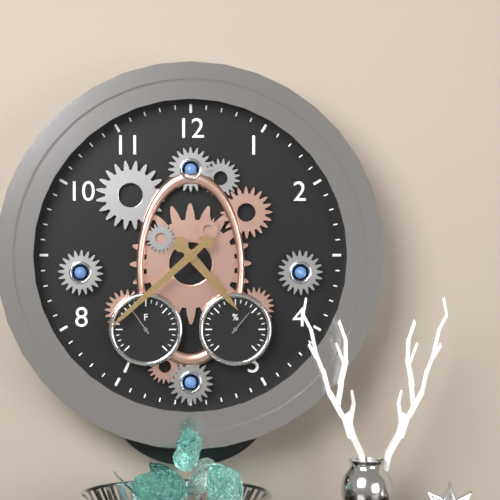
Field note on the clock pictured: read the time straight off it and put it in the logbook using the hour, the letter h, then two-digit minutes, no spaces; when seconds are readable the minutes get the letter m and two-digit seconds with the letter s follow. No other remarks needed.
4h38
